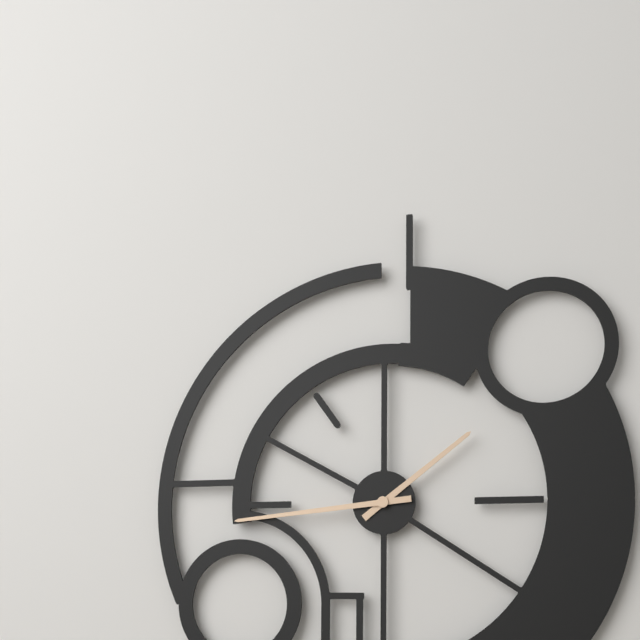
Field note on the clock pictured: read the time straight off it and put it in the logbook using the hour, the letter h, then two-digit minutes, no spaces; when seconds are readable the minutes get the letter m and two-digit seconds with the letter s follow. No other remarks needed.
1h44
